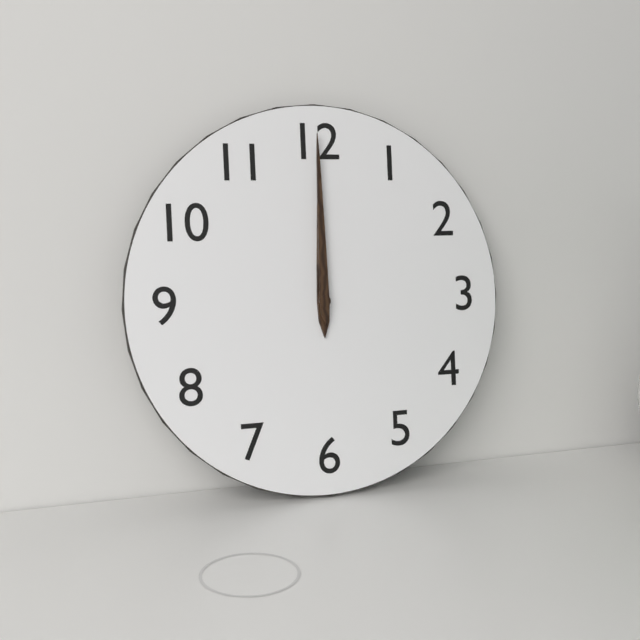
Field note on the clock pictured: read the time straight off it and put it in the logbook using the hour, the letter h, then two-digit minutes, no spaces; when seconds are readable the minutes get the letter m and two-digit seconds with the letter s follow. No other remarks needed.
12h00
